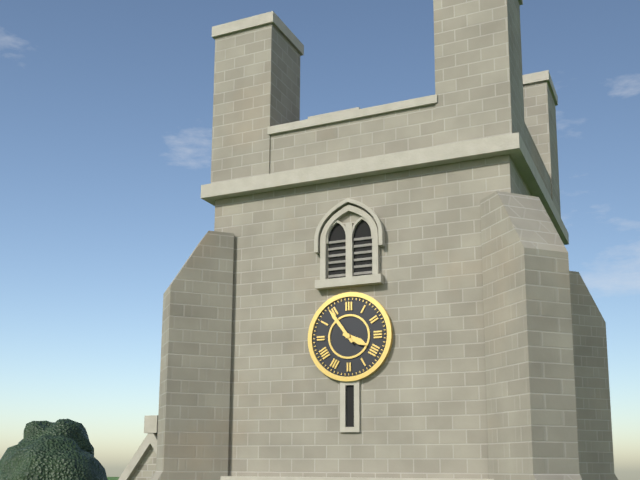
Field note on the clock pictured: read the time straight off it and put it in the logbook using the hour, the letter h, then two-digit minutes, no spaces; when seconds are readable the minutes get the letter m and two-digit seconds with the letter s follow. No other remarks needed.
3h54
